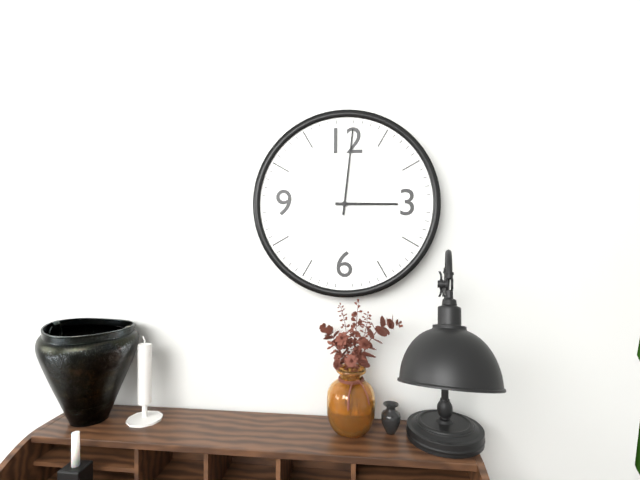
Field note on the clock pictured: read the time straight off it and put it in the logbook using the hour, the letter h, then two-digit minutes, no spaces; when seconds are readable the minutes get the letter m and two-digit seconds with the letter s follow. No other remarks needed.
3h01
